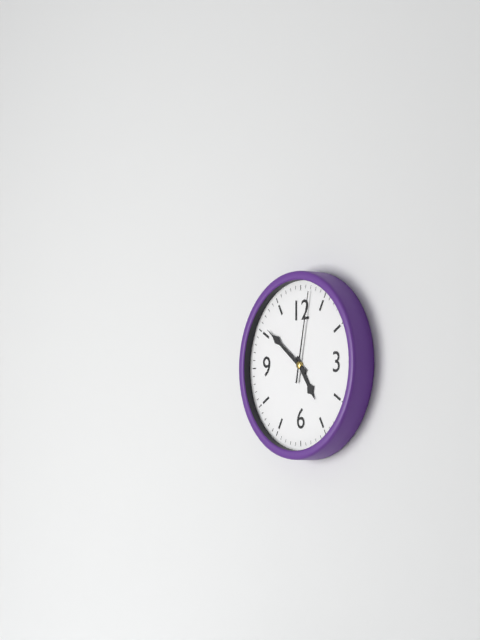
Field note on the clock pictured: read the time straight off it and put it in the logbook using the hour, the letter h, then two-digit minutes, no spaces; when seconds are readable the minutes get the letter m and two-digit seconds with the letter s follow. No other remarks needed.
4h51m02s
